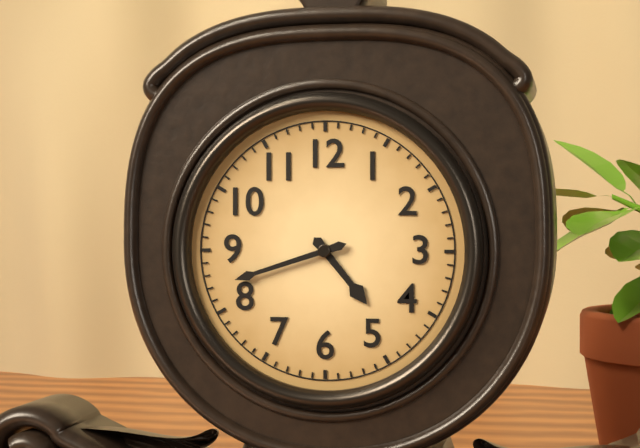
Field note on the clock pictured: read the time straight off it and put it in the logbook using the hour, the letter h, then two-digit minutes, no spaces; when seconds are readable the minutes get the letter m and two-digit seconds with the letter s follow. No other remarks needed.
4h42
